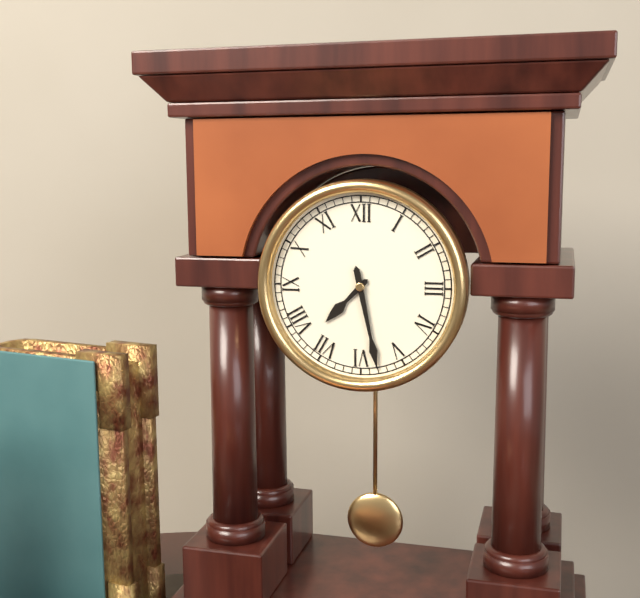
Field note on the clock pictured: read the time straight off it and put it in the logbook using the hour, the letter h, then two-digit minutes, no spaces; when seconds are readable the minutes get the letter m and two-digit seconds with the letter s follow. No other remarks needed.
7h28
